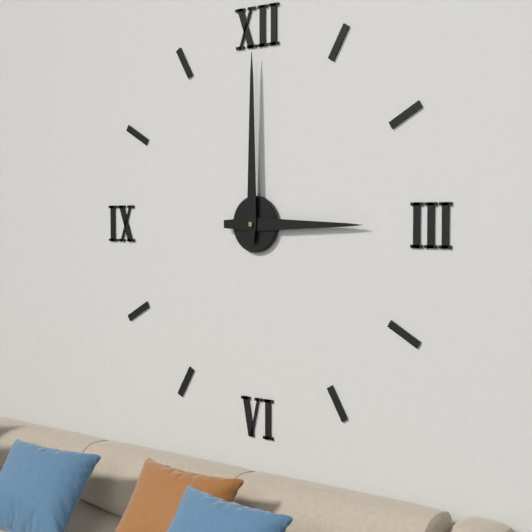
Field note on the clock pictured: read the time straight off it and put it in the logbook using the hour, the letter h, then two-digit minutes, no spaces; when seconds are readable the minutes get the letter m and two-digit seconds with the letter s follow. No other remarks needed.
3h00
